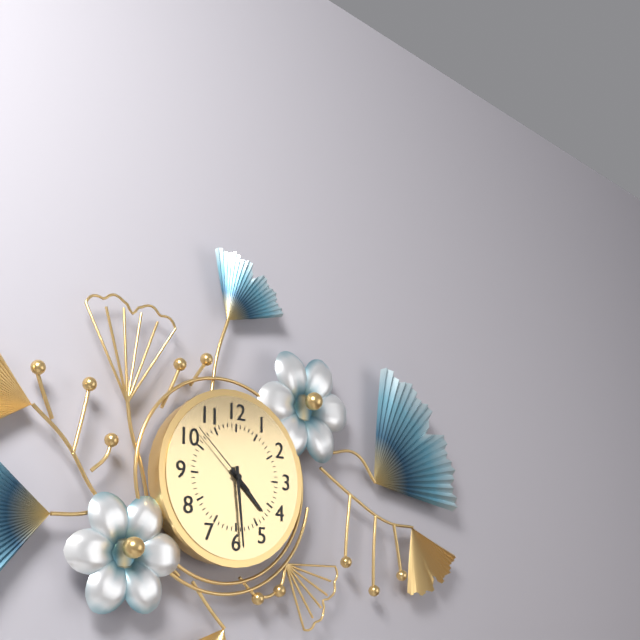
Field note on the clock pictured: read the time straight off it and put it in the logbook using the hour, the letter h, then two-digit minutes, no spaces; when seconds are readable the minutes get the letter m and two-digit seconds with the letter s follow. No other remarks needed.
4h29m52s
